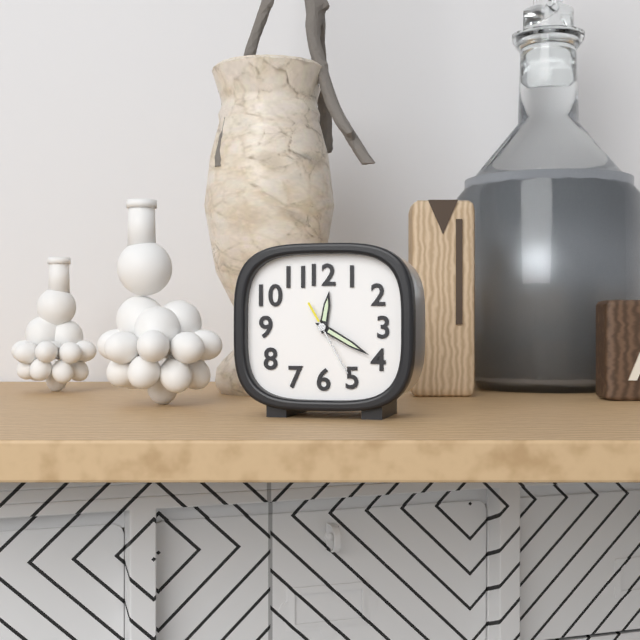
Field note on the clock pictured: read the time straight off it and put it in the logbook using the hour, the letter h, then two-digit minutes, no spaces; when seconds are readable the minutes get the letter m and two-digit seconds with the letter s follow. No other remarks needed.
12h20m25s
